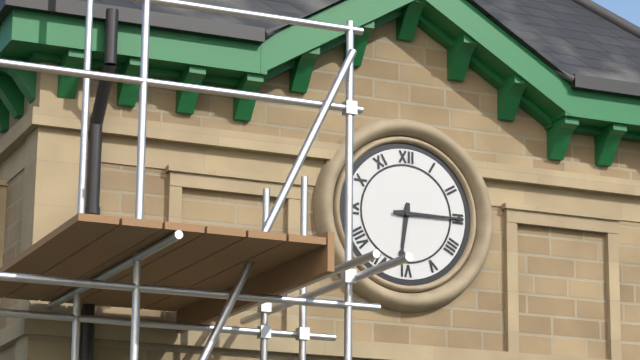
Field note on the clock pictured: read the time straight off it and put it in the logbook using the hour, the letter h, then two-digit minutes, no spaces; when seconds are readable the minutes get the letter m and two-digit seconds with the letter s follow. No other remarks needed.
6h15
